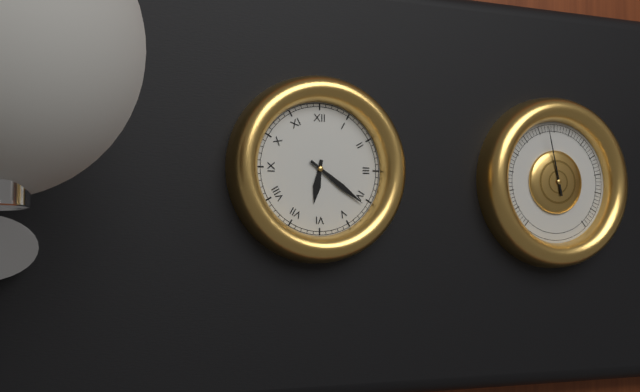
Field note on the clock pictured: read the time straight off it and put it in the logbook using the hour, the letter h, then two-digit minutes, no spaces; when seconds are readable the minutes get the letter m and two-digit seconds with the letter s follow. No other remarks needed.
6h21
